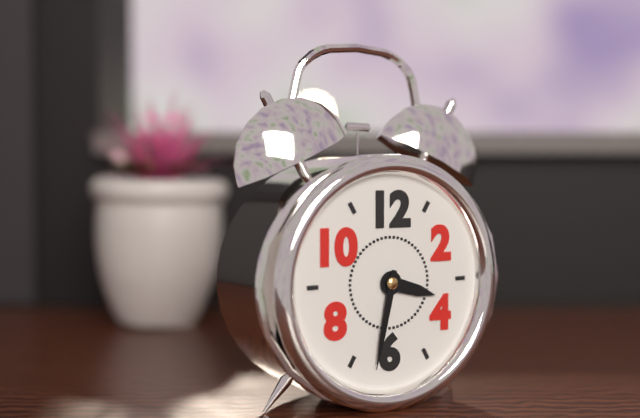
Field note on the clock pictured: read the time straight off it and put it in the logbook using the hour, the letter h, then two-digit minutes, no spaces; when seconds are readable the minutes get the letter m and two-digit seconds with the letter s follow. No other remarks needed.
3h32
